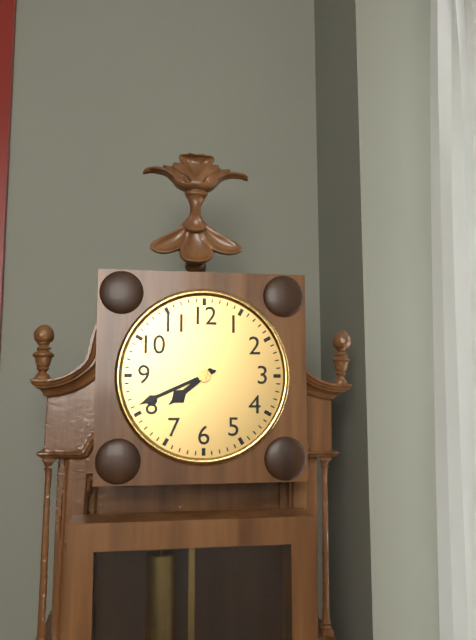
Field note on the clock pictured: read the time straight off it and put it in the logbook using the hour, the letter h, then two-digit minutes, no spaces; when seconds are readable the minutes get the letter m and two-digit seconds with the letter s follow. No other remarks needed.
7h41
